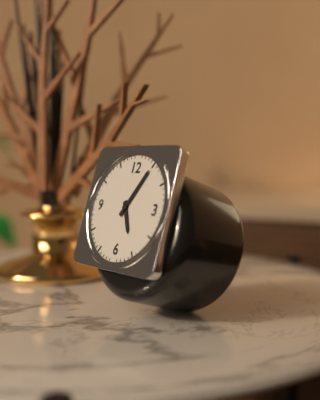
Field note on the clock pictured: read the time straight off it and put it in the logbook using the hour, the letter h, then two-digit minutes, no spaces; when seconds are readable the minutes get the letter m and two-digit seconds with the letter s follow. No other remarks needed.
5h05
